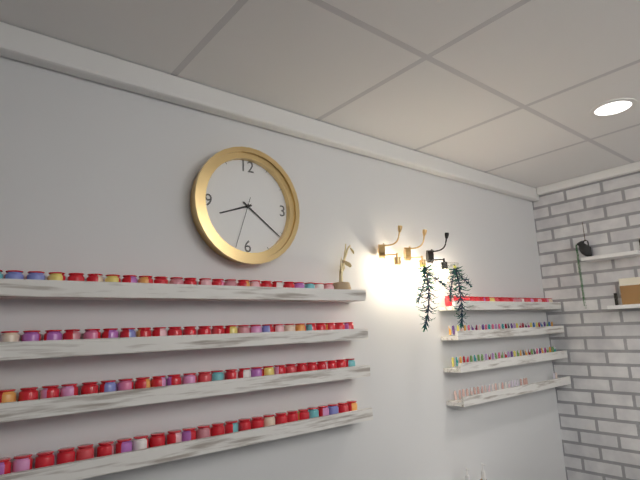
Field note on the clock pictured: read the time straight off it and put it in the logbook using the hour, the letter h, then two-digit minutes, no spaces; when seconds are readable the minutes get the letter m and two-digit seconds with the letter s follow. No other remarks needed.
8h21m33s
